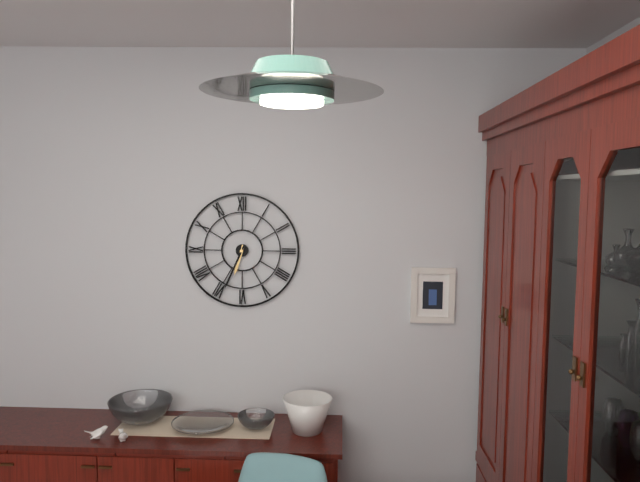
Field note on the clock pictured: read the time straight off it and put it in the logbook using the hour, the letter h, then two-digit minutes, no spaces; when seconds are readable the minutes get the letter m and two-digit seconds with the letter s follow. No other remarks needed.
6h34
